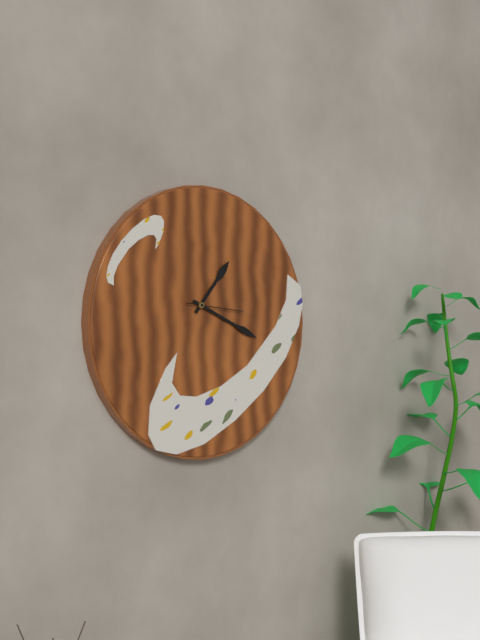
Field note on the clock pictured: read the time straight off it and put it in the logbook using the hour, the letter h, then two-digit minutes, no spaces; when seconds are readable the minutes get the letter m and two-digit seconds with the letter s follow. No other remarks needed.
1h19m16s
